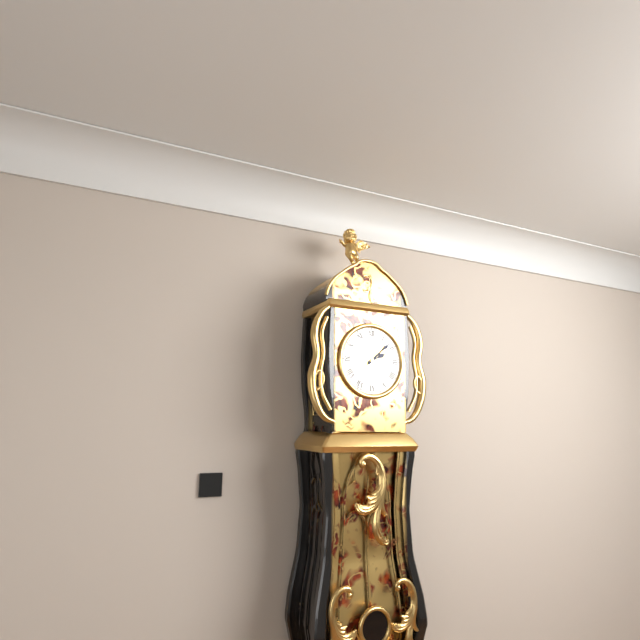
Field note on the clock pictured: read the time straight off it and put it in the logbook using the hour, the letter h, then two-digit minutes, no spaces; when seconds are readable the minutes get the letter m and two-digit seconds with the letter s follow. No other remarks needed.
2h08
